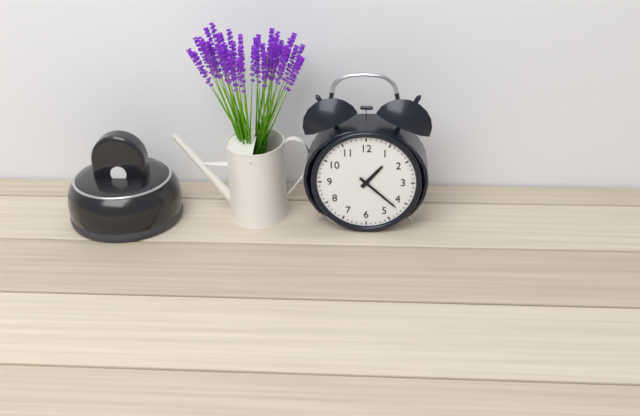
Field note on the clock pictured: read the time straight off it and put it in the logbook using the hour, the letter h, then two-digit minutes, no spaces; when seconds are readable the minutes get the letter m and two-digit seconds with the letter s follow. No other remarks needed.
1h22
